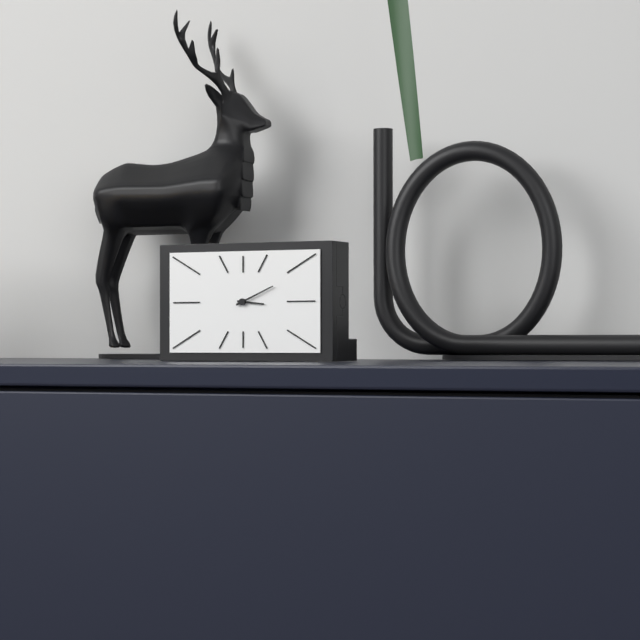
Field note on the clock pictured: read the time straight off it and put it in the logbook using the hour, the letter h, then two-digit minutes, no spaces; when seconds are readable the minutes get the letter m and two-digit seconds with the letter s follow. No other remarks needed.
3h11
